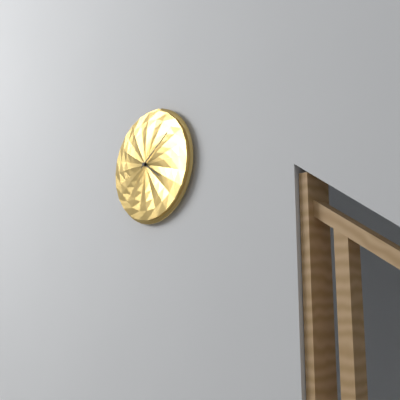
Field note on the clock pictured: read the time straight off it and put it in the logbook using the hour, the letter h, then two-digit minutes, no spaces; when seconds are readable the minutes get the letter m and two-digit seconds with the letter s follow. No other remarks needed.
4h09
